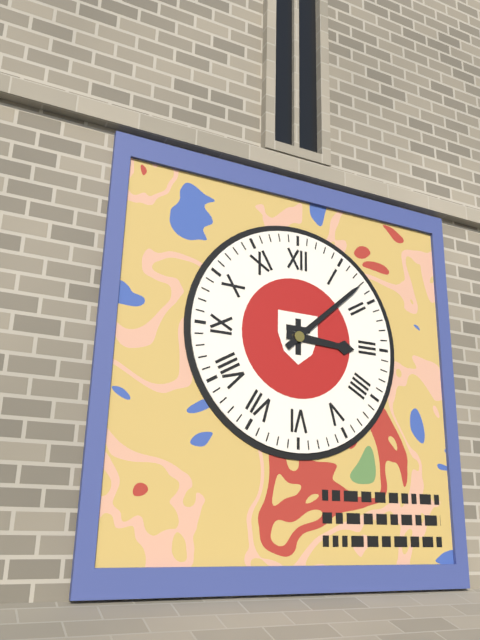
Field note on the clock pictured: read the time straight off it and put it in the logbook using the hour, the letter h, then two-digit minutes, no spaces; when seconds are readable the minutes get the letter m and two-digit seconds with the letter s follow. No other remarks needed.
3h08
